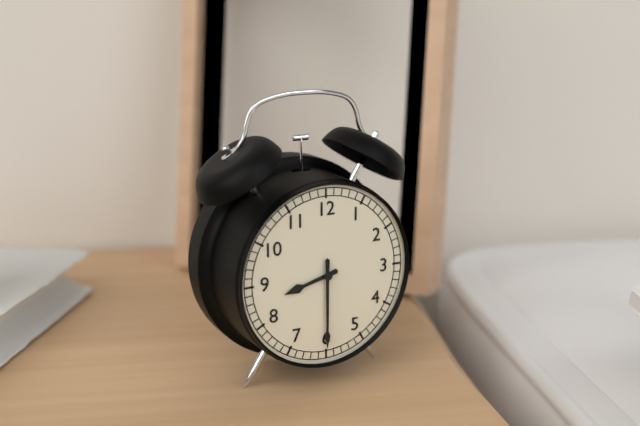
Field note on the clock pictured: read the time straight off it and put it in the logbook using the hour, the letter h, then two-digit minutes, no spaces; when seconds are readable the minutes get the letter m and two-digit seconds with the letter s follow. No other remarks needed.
8h30
